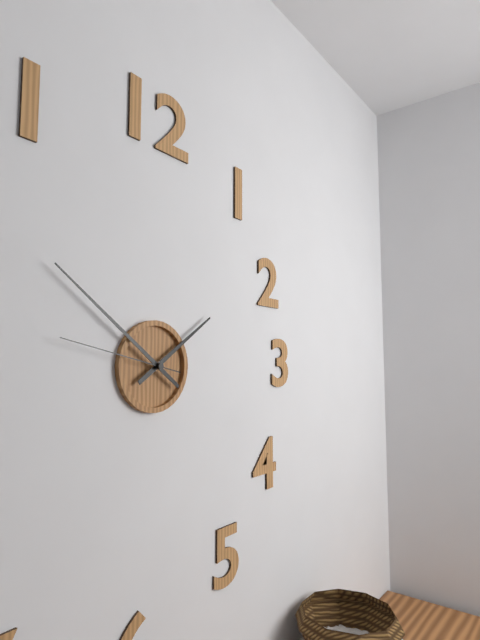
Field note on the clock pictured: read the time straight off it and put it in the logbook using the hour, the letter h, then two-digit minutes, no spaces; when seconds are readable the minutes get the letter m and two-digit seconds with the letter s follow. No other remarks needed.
1h51m47s
